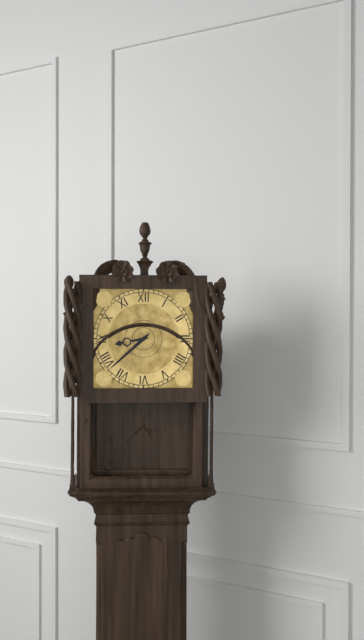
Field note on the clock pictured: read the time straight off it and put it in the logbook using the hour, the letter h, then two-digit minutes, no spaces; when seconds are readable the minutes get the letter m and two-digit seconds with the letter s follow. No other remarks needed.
8h38
